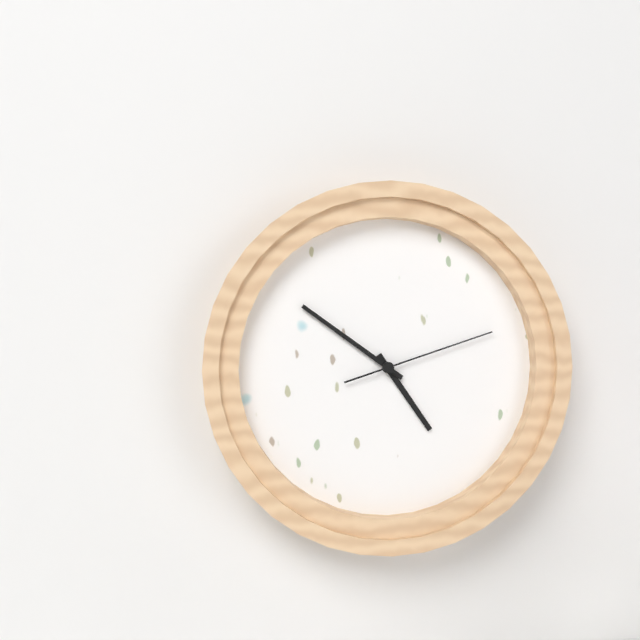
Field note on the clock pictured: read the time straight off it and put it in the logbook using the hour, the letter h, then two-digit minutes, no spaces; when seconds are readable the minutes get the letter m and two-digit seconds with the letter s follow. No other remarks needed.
4h51m12s
